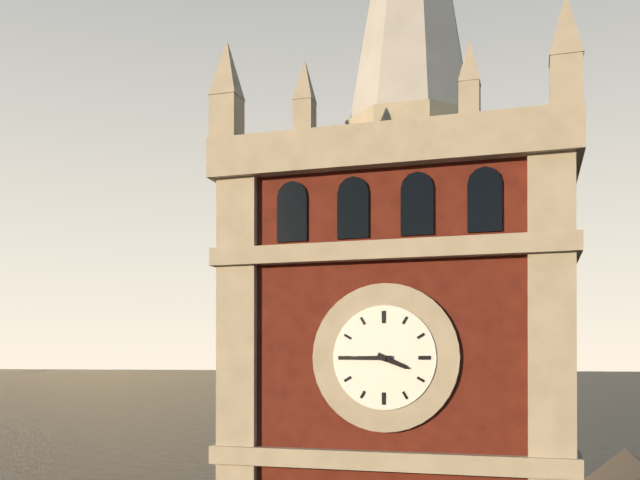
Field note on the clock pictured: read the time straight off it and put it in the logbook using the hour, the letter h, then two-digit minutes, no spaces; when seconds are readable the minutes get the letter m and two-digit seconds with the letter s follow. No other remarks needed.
3h45
